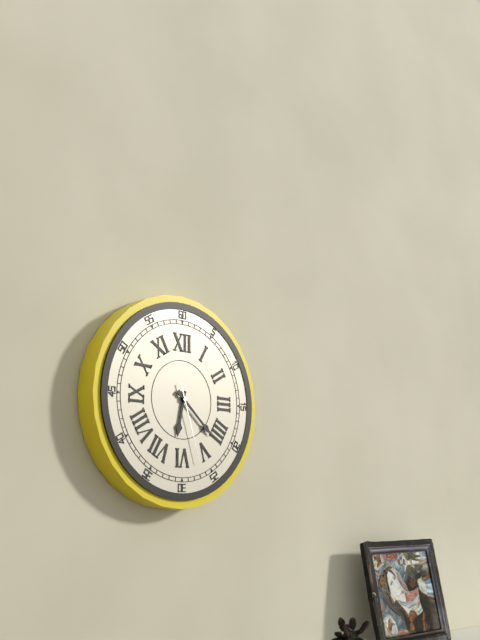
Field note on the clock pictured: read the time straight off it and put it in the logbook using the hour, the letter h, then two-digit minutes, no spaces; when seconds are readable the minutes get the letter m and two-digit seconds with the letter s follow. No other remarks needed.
6h22m27s
